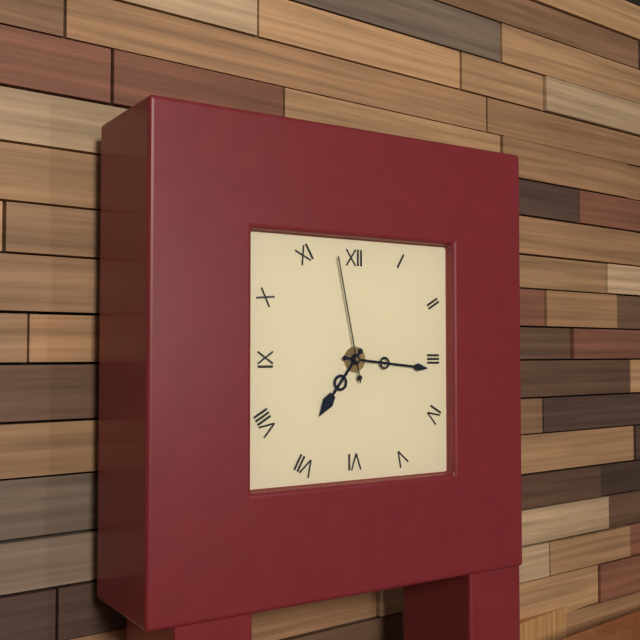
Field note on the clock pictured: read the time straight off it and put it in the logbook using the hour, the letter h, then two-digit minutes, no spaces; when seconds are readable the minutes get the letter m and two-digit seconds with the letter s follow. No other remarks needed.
7h16m58s
